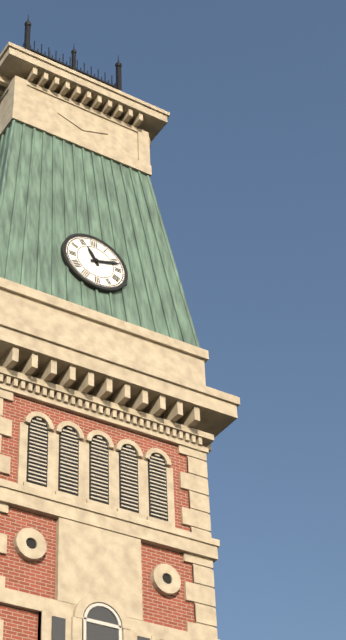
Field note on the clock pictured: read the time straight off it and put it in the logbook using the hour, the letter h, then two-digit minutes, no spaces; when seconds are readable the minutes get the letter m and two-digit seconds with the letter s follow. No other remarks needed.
11h12
